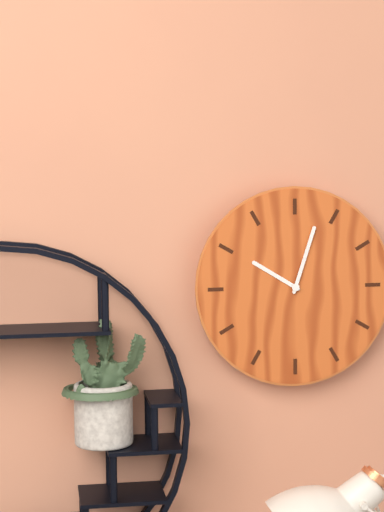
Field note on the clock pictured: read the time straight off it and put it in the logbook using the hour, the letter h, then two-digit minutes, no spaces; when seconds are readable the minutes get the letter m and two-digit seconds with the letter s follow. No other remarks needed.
10h03
